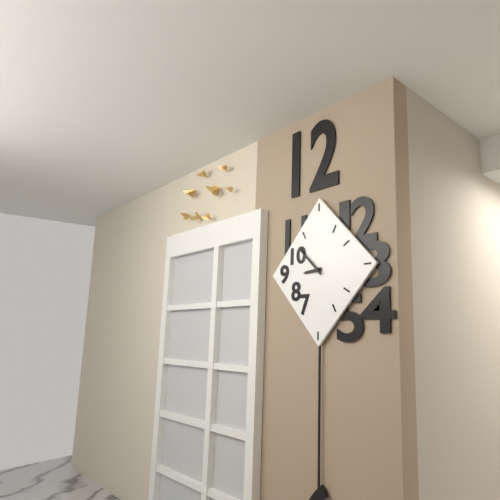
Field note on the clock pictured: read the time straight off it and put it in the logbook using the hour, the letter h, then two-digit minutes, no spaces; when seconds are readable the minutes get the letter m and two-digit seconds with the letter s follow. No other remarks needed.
8h52
